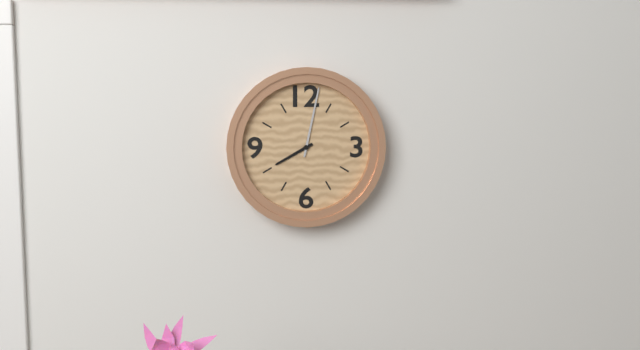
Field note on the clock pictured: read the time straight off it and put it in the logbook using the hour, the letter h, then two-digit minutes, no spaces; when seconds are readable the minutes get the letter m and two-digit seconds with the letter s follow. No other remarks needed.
8h02
